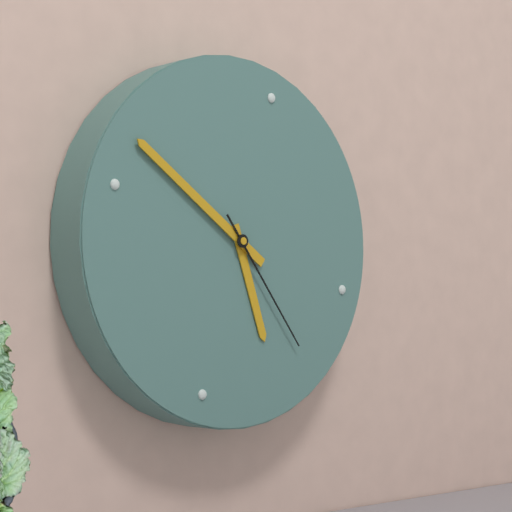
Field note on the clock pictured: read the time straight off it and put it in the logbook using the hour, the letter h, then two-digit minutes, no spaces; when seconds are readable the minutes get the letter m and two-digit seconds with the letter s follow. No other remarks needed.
4h48m21s
